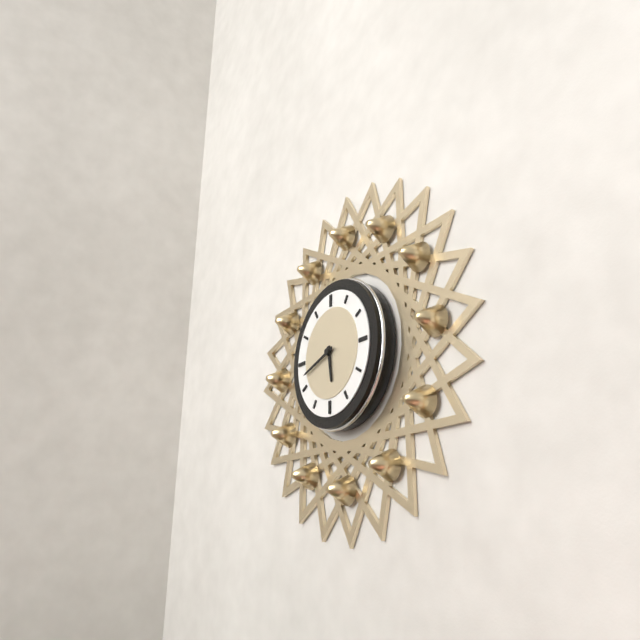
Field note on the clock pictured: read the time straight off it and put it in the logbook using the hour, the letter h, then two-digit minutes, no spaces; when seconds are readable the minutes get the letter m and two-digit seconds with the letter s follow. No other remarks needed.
5h42
